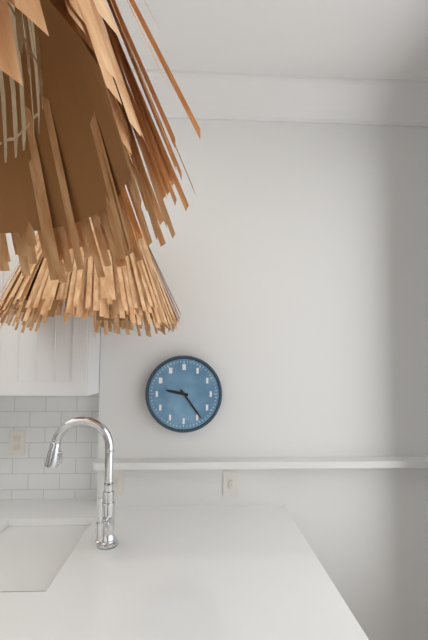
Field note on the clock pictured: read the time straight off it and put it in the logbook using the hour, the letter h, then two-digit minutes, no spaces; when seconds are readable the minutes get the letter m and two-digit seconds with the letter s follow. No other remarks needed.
9h24
